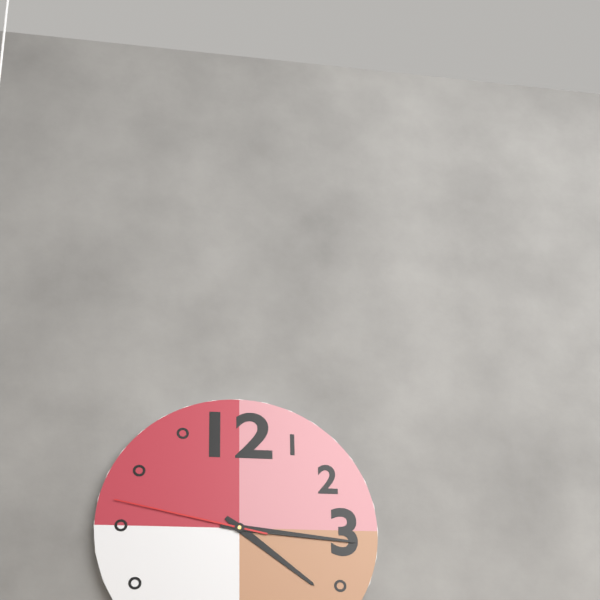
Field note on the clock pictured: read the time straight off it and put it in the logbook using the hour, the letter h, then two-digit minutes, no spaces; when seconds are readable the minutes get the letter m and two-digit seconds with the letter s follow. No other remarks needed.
4h16m47s
